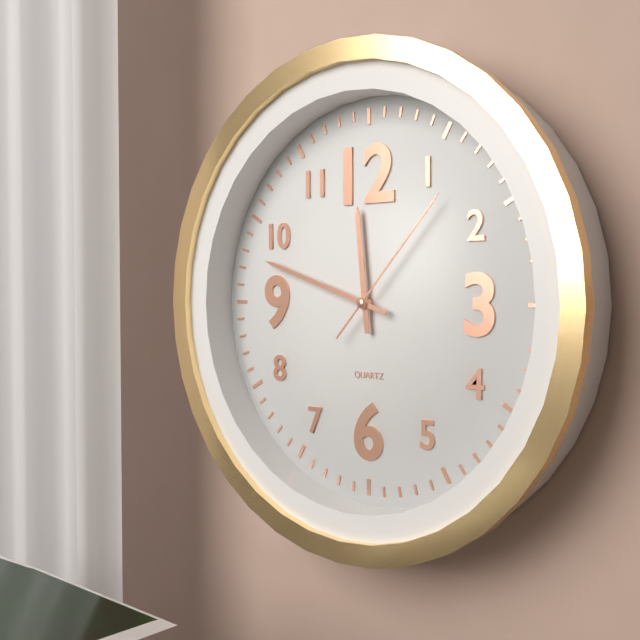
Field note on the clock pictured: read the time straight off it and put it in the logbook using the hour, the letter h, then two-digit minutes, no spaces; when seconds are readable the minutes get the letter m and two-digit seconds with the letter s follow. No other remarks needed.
11h48m07s
